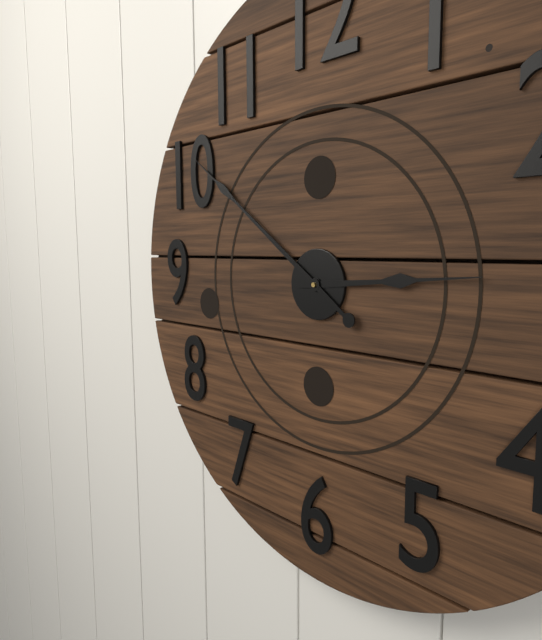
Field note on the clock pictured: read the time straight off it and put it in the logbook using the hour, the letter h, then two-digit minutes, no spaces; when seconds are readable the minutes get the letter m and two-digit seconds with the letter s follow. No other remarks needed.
2h51
